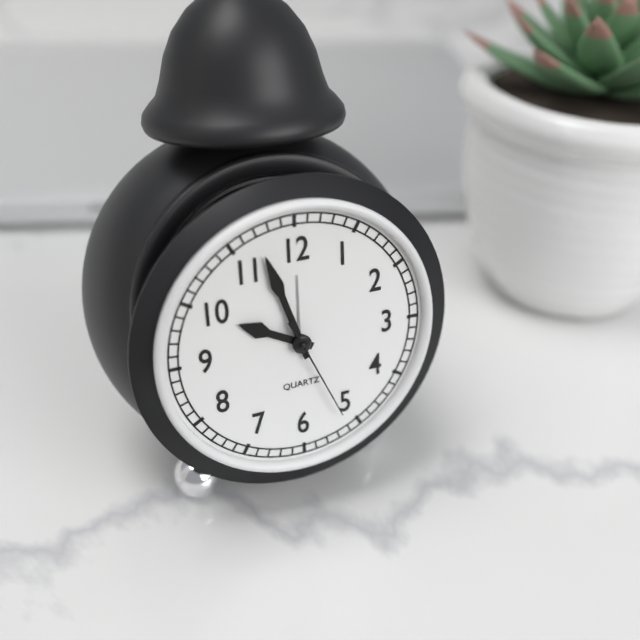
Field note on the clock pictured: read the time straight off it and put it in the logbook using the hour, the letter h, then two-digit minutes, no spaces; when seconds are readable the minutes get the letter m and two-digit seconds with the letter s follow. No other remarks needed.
9h57m26s
